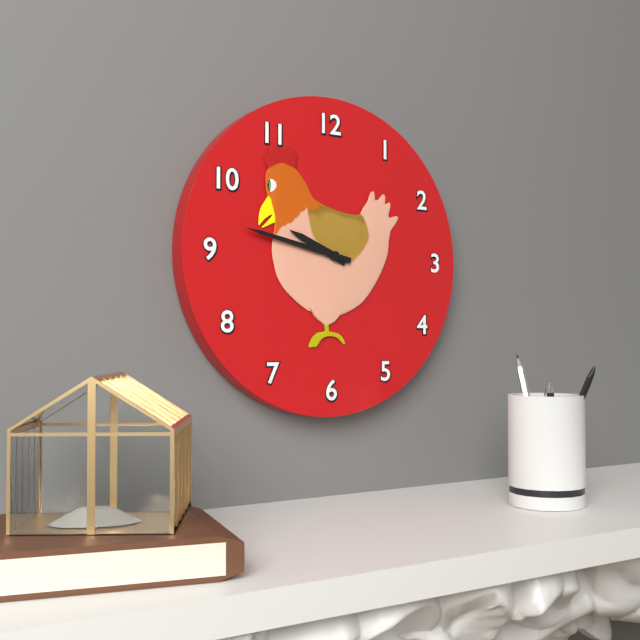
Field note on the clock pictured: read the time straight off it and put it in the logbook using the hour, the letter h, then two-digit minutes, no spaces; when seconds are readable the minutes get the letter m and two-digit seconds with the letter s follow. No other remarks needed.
9h47
